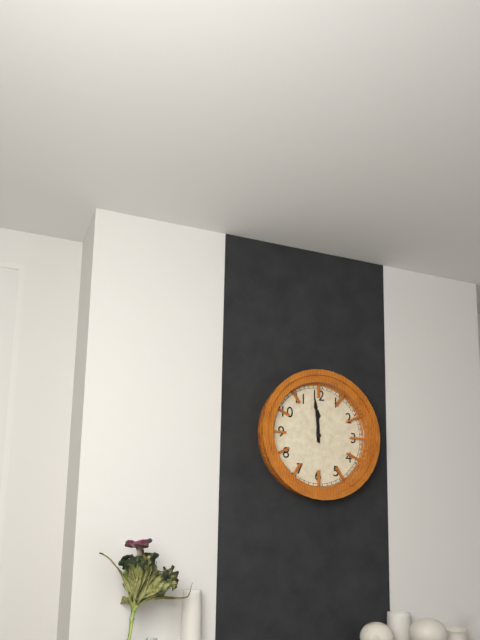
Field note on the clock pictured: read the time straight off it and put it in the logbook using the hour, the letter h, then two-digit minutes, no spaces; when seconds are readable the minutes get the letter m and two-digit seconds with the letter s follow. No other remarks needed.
11h59
